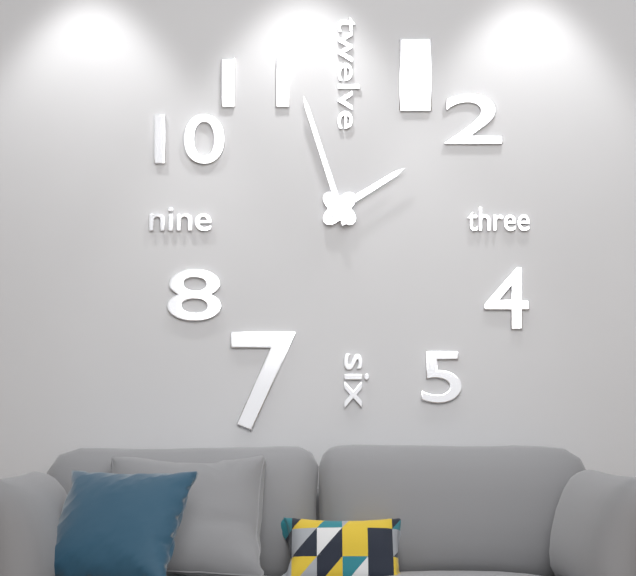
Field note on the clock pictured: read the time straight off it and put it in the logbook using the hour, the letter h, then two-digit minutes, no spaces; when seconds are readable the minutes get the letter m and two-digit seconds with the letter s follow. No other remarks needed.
1h57
